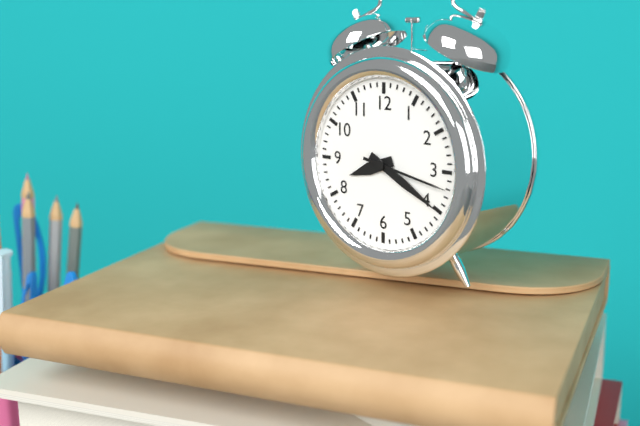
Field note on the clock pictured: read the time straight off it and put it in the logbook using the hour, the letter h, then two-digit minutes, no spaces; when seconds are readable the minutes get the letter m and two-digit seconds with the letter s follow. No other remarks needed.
8h20m17s
